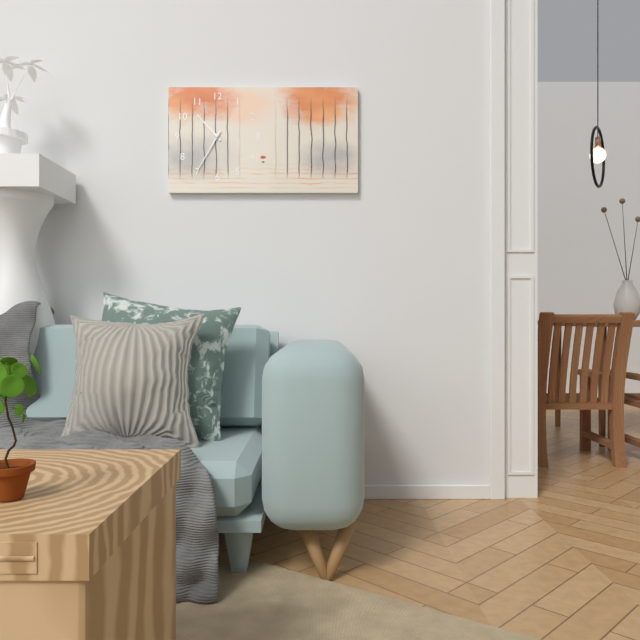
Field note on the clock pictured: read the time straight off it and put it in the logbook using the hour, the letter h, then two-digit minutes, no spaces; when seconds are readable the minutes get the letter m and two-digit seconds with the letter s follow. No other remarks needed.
10h35
